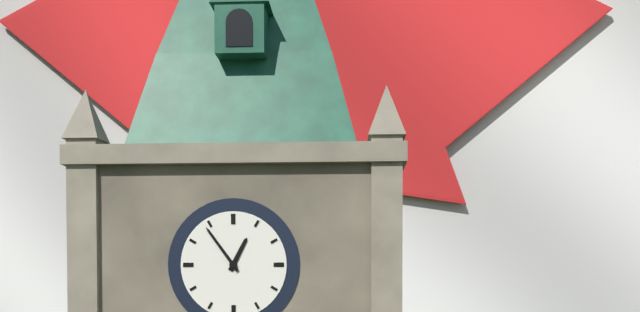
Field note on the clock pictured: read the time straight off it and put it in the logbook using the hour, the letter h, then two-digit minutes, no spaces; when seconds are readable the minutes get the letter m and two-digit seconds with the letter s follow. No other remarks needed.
12h54
